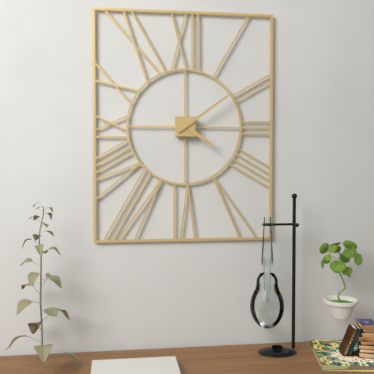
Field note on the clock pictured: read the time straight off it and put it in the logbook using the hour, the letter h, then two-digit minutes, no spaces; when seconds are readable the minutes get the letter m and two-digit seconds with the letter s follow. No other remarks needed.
4h09
